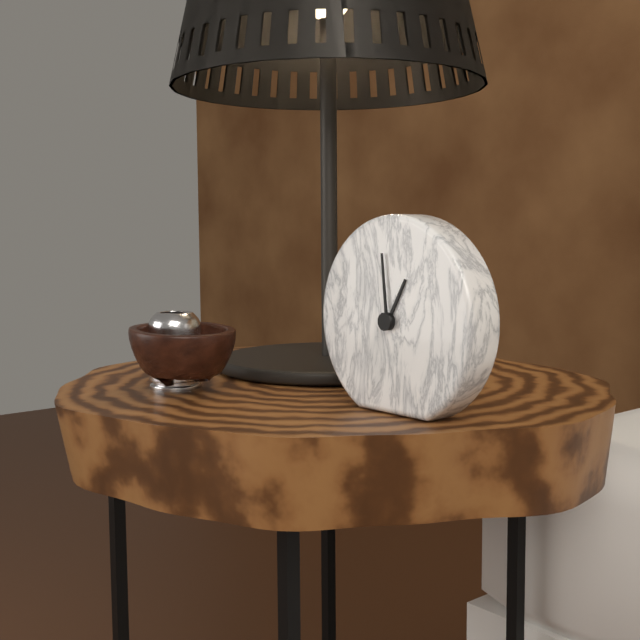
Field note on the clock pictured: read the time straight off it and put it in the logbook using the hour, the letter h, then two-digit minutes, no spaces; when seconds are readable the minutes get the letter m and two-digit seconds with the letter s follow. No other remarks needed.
12h59
